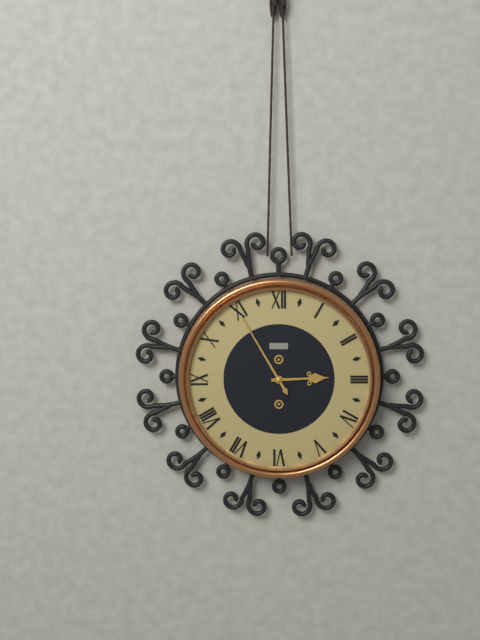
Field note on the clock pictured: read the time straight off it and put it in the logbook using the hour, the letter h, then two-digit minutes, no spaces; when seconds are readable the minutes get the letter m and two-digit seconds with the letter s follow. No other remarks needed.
2h55
